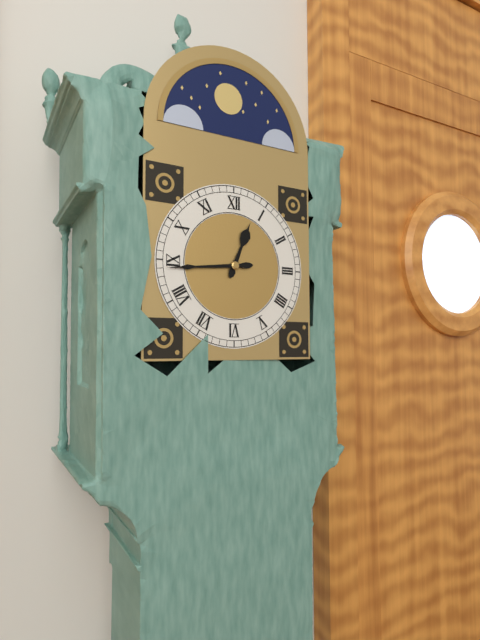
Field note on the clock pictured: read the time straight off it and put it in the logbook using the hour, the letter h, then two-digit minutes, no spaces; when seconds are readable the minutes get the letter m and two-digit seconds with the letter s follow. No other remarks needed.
12h44
